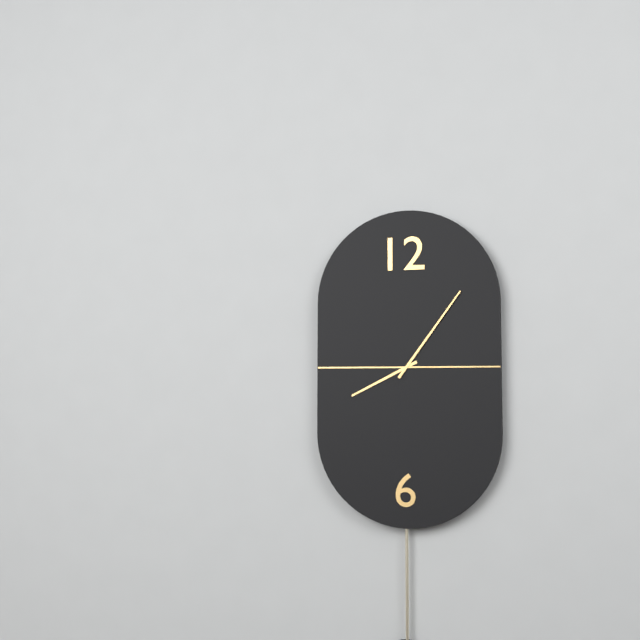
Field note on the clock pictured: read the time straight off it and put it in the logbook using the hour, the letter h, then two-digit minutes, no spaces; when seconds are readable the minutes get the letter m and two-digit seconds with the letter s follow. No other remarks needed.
8h06
